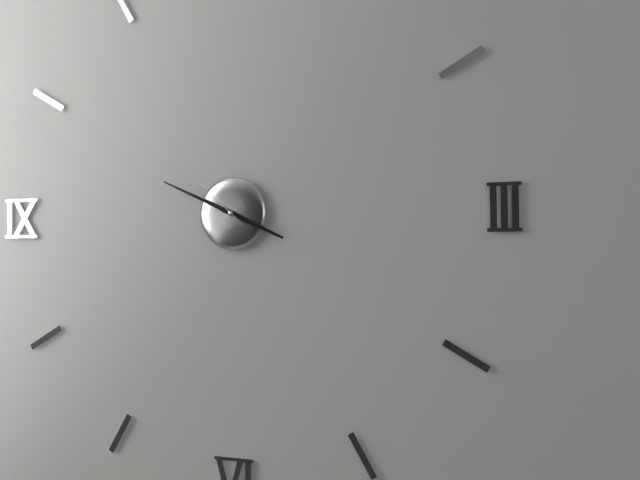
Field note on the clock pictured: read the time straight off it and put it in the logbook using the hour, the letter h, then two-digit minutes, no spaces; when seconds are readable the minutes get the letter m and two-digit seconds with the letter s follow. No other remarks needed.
3h49m52s
